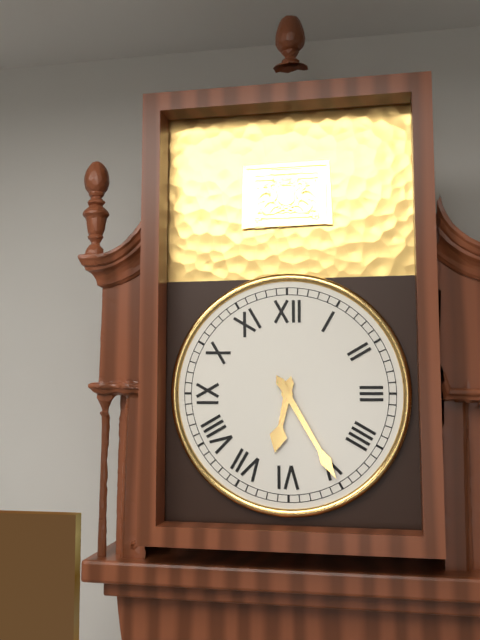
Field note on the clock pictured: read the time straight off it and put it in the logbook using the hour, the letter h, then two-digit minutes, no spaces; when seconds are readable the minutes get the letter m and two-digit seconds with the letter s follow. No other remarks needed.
6h25
